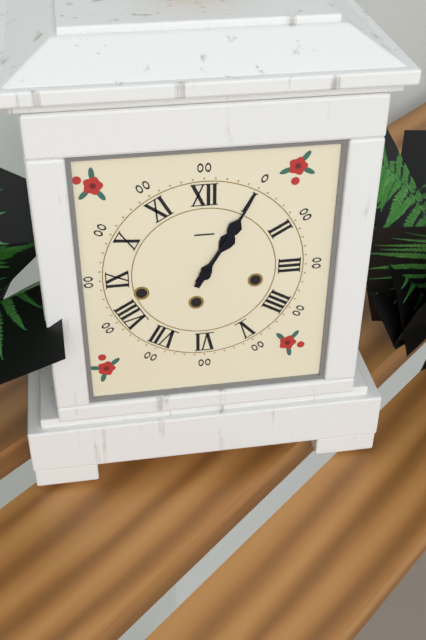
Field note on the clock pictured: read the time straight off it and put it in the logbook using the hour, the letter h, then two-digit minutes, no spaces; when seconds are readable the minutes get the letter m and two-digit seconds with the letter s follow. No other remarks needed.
1h05
